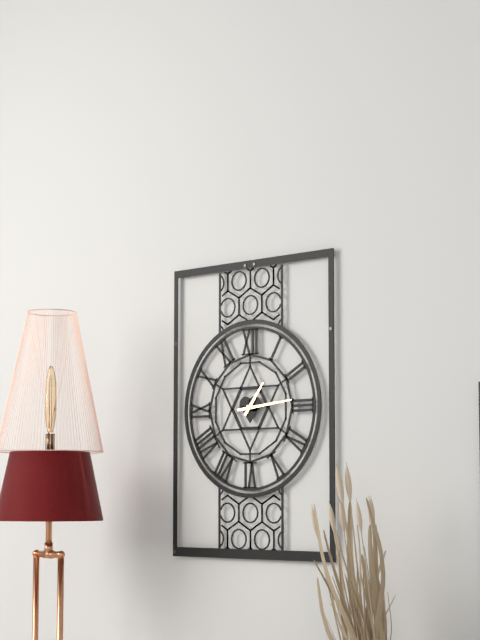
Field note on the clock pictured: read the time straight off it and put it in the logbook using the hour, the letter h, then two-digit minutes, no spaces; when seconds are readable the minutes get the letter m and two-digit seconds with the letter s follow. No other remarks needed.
1h14
